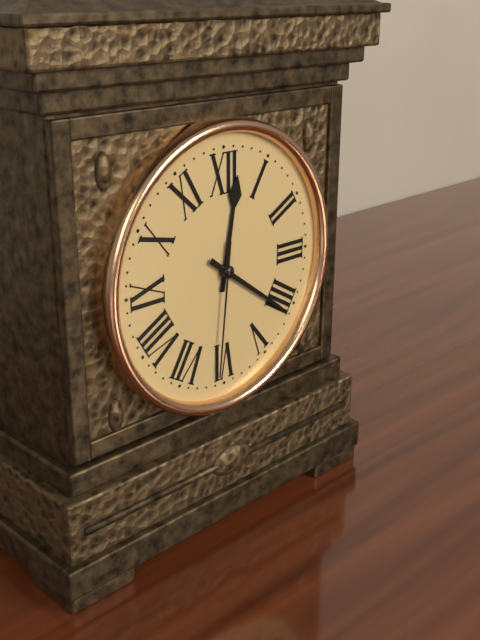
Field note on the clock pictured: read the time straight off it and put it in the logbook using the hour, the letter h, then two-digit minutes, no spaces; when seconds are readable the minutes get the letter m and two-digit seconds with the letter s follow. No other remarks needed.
12h21m31s
